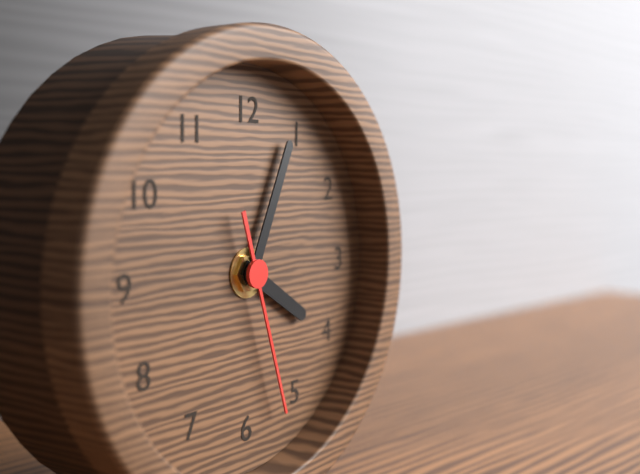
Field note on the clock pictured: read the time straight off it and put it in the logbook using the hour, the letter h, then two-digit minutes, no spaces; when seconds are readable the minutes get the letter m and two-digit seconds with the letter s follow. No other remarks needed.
4h04m27s
